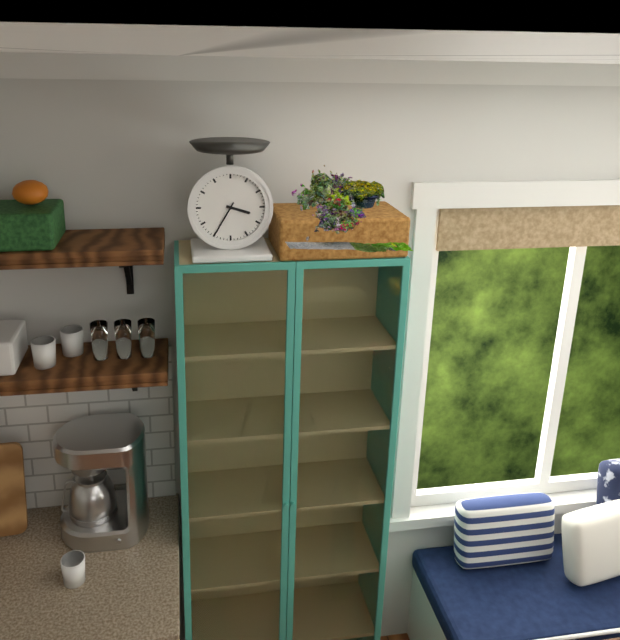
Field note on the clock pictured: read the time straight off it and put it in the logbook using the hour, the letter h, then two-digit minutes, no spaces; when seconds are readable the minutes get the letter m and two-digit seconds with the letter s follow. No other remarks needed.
3h35
